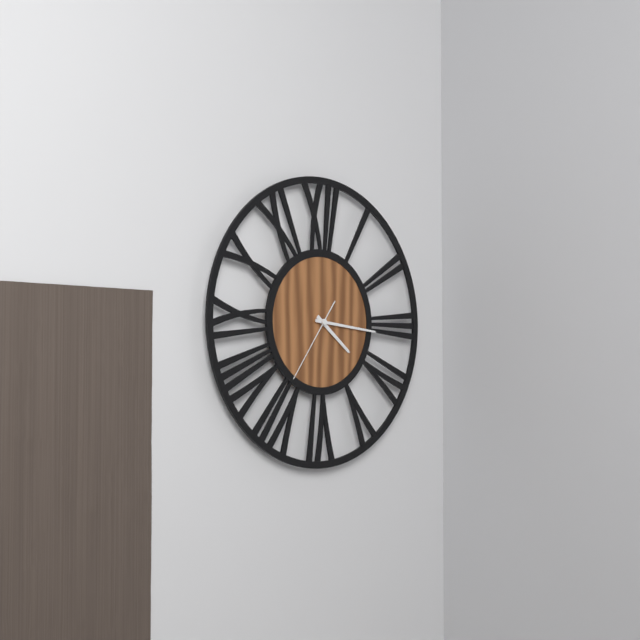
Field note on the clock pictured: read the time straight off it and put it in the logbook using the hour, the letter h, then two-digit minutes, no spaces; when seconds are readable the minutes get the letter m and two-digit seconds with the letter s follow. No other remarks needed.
4h16m36s
